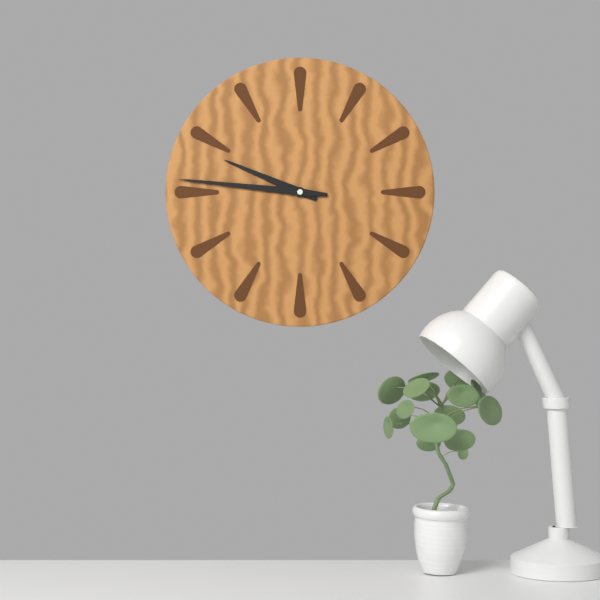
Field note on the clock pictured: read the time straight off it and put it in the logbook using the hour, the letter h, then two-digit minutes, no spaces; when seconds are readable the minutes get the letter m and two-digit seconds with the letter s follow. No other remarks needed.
9h46
